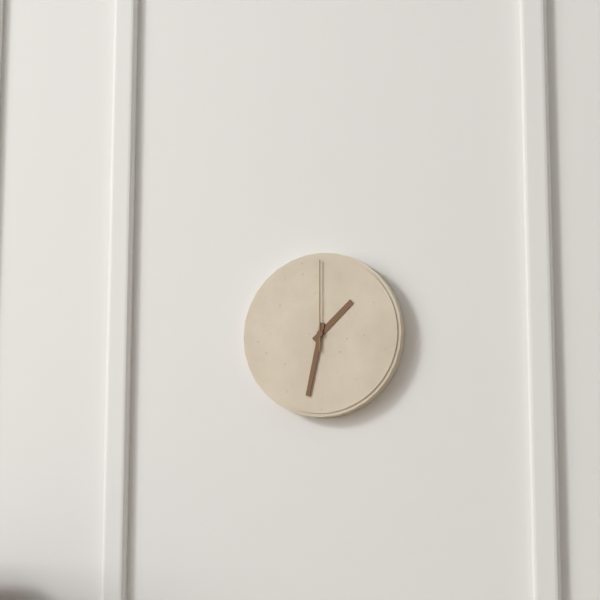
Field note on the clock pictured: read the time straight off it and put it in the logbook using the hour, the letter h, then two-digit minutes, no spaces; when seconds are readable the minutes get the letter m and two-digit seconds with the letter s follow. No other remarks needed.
1h32m00s
